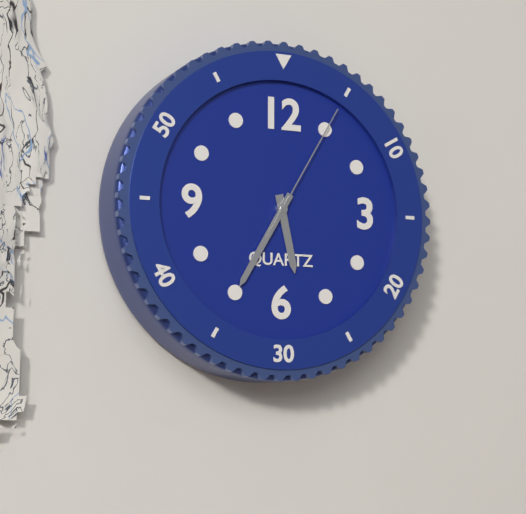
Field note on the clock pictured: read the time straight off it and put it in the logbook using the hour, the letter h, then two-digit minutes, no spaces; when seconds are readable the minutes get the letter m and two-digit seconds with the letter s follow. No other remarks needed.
5h35m05s
